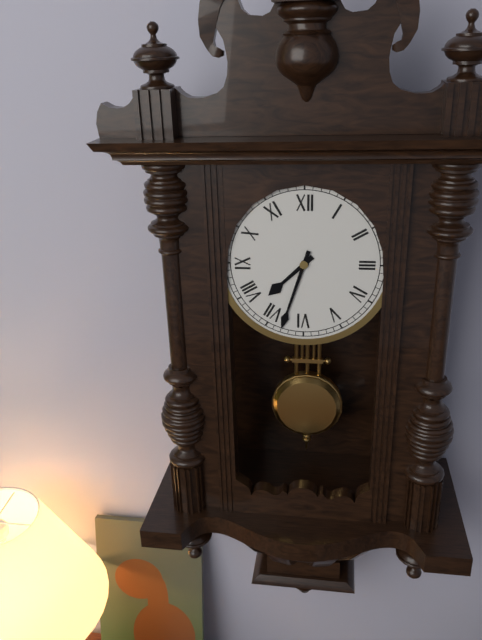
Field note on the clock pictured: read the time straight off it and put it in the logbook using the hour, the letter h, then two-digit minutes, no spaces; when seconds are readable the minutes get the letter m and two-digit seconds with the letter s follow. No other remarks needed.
7h33
